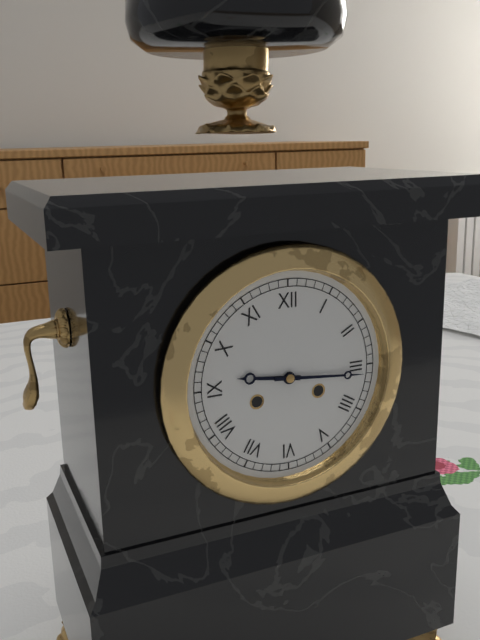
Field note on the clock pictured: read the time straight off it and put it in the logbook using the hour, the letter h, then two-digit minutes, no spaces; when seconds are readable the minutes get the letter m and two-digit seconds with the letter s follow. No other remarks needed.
9h16
